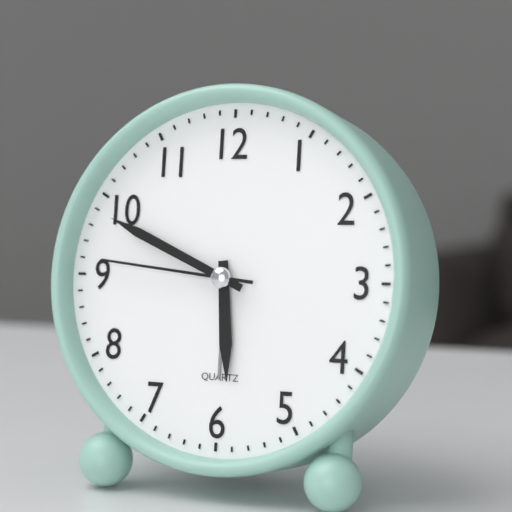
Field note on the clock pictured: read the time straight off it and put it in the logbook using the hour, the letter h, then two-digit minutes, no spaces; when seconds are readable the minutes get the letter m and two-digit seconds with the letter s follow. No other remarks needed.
5h49m46s
